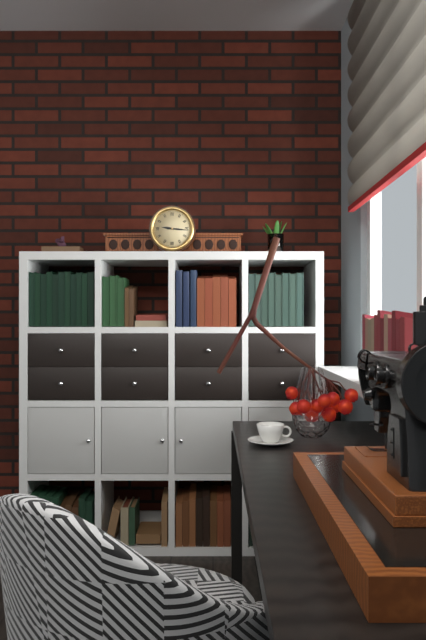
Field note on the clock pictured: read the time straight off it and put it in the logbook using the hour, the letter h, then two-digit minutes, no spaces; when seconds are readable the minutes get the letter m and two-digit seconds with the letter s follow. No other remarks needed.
9h16
